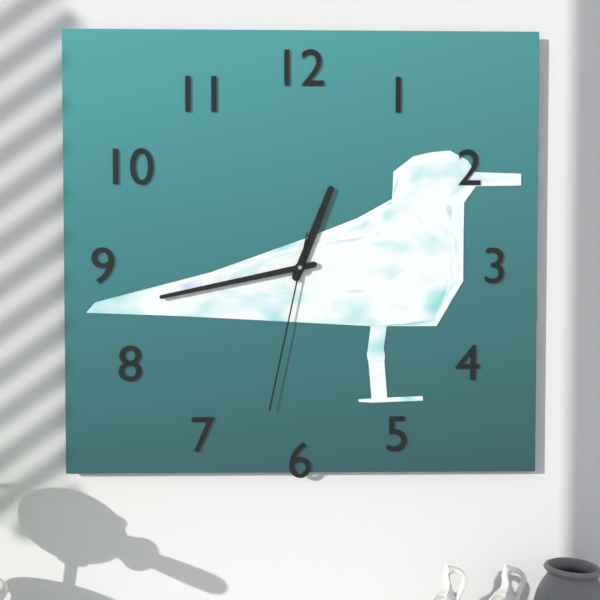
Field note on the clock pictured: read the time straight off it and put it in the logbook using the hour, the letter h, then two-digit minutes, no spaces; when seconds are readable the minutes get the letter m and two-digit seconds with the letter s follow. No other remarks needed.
12h43m32s
